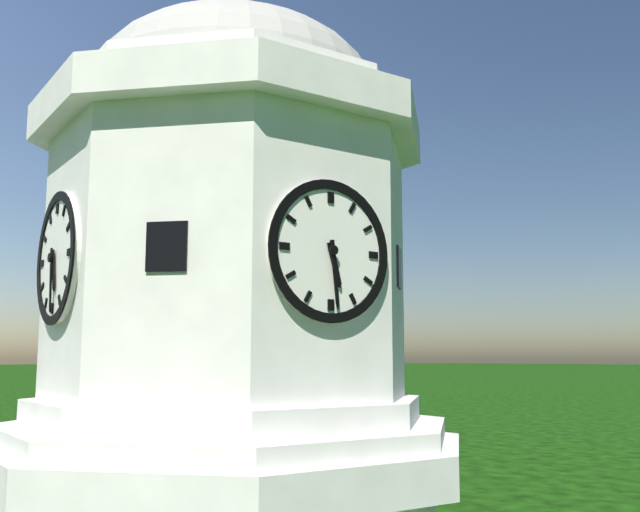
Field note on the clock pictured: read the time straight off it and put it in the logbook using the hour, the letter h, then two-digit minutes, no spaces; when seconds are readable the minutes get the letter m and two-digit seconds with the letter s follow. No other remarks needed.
5h29
